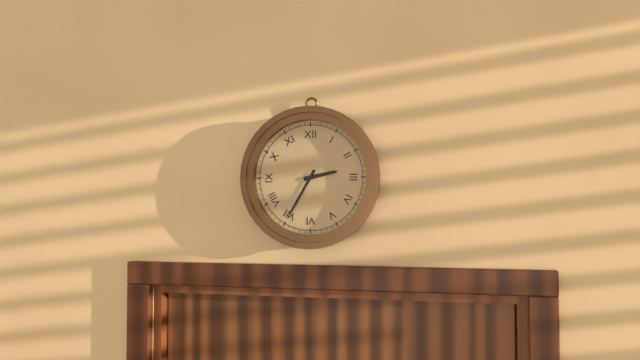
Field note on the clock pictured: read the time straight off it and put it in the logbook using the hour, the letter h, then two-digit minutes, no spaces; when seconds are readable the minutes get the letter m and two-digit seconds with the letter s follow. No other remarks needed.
2h35
